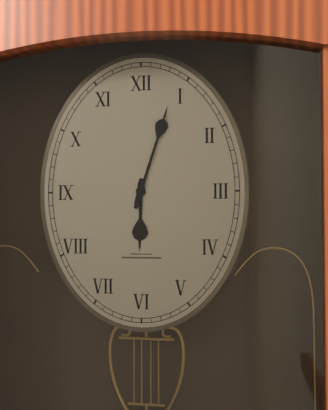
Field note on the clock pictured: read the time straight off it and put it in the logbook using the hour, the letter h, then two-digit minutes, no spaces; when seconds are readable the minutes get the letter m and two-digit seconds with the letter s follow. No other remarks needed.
6h03
